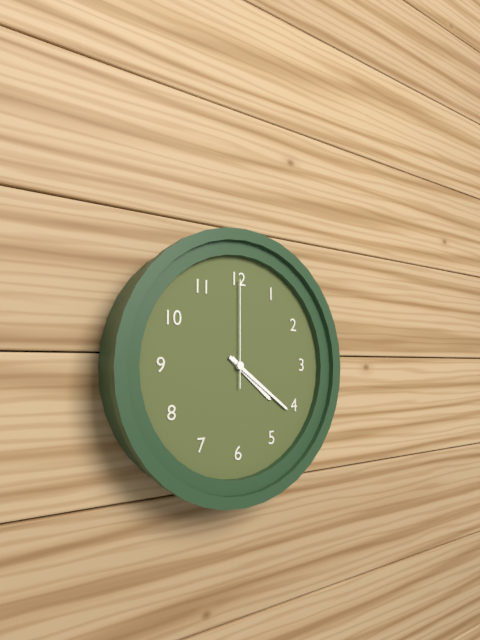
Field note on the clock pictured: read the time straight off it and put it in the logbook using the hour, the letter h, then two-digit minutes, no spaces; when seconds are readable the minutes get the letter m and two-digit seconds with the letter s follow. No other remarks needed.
4h21m00s
